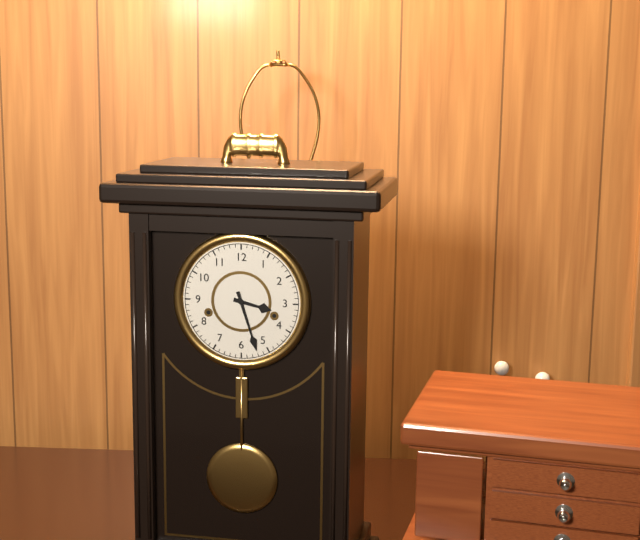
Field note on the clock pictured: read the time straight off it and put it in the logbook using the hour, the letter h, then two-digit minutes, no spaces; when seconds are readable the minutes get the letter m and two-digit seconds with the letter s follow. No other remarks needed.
3h27
